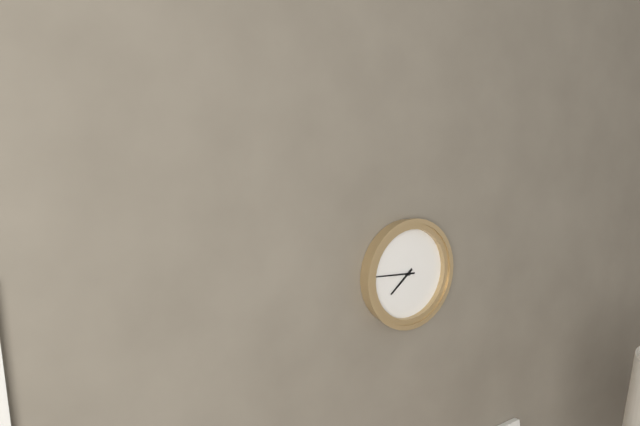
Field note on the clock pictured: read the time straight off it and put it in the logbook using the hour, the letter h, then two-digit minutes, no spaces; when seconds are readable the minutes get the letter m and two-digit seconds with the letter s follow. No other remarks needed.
7h46
